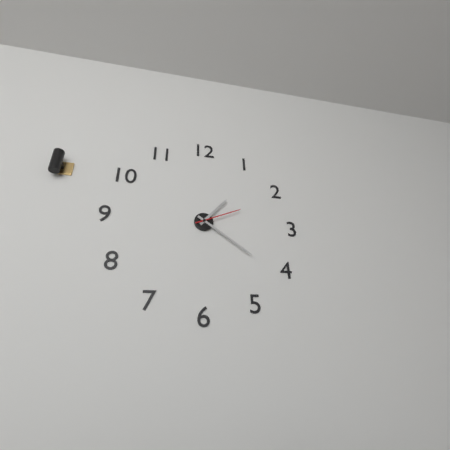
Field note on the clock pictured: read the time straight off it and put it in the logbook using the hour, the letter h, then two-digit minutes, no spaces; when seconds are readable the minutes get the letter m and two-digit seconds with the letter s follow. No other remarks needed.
1h21
